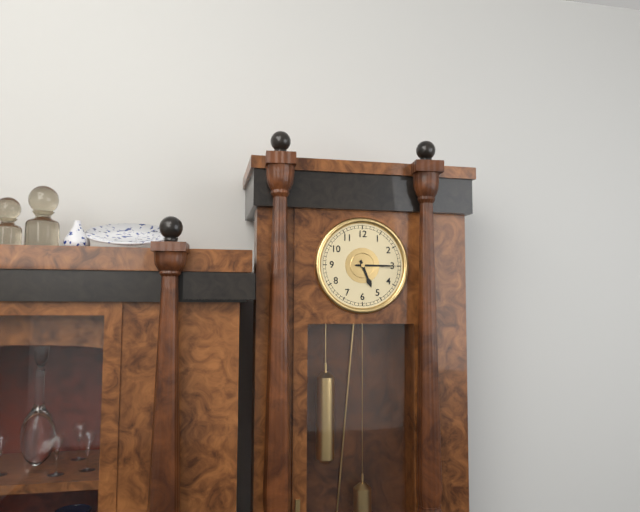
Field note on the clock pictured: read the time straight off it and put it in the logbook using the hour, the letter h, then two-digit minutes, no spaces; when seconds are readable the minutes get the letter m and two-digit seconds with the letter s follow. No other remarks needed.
5h15
